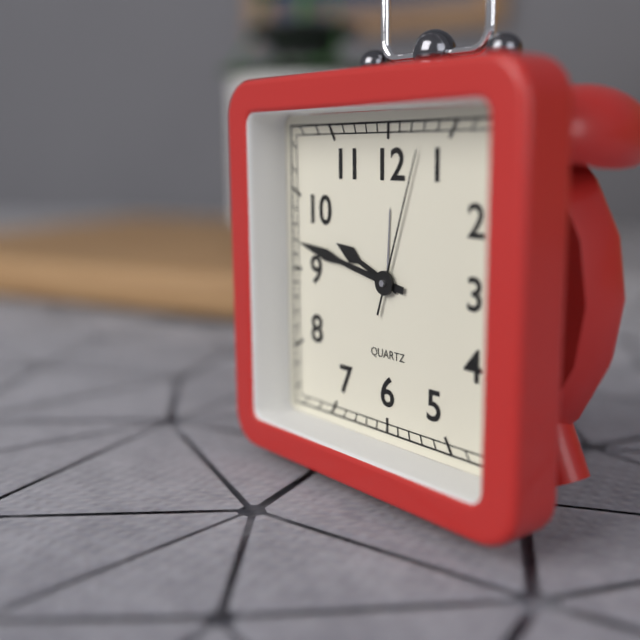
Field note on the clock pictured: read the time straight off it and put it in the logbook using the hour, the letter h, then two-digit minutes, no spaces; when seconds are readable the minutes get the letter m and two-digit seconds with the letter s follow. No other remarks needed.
9h47m03s
